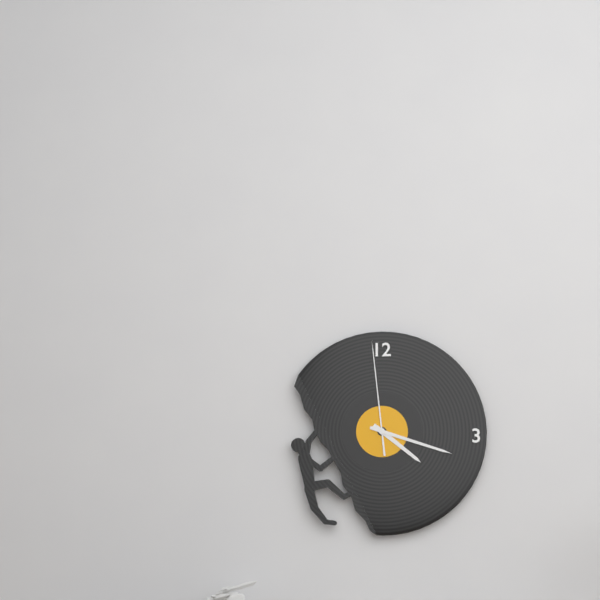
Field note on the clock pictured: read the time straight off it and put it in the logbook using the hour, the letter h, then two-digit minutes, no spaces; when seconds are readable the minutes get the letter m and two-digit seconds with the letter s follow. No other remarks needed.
4h18m59s
